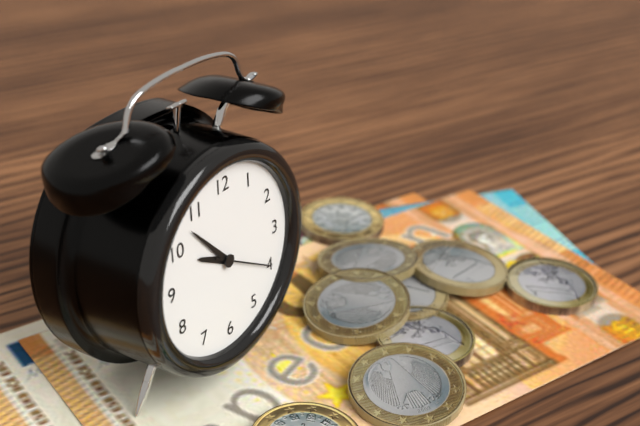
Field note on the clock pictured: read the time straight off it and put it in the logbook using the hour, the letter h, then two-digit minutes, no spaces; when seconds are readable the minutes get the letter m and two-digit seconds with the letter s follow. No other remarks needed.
9h53m20s
